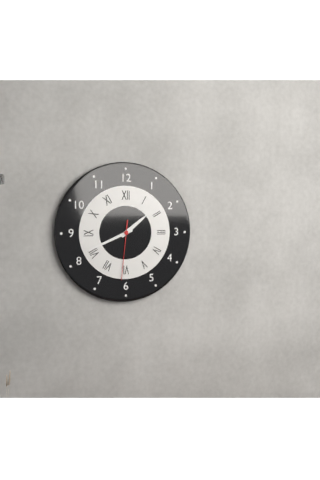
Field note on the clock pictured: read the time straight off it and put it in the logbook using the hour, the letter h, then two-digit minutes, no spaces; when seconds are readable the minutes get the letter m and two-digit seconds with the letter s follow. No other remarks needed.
1h41m31s
